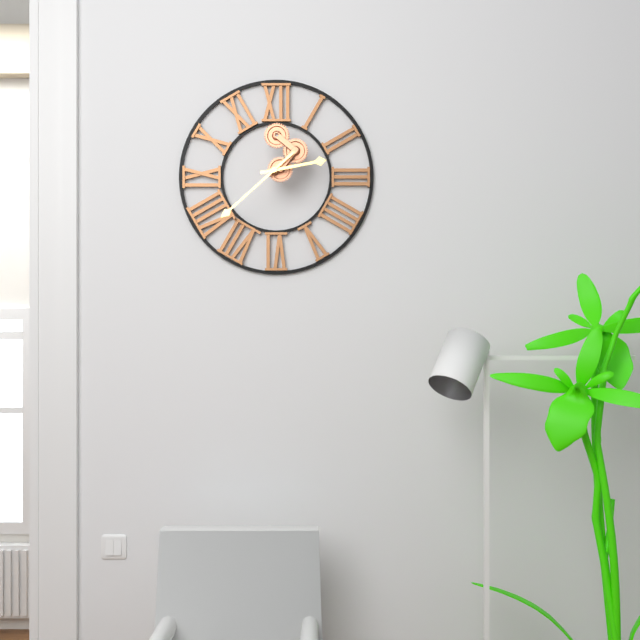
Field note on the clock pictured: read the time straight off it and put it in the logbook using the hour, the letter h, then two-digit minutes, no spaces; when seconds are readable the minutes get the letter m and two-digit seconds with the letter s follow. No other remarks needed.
2h38
